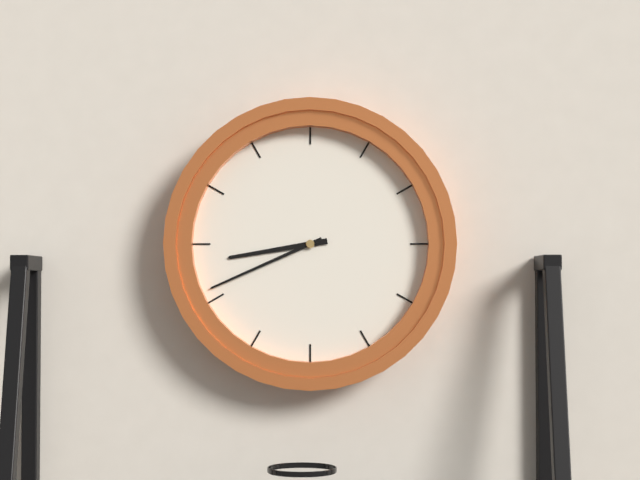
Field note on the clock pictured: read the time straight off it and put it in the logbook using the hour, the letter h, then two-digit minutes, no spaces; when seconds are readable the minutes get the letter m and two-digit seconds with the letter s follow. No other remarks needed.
8h41
